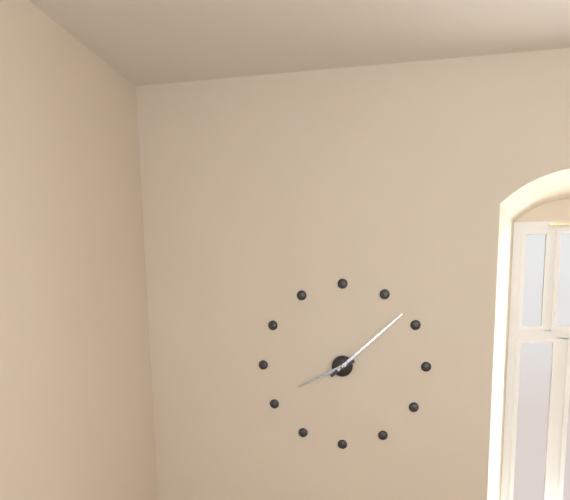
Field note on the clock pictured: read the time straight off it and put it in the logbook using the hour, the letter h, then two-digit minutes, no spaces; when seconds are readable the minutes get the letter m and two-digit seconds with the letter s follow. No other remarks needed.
8h08
